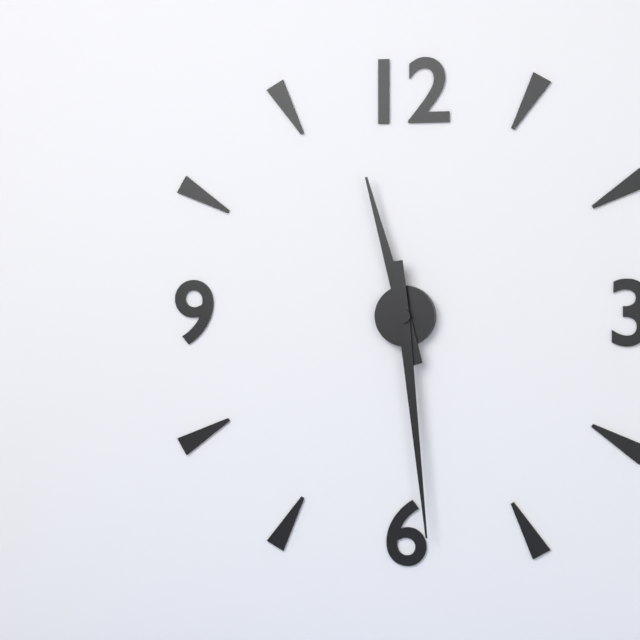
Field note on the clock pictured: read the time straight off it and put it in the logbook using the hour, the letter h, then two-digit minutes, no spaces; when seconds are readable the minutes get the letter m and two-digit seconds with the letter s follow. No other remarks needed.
11h29
